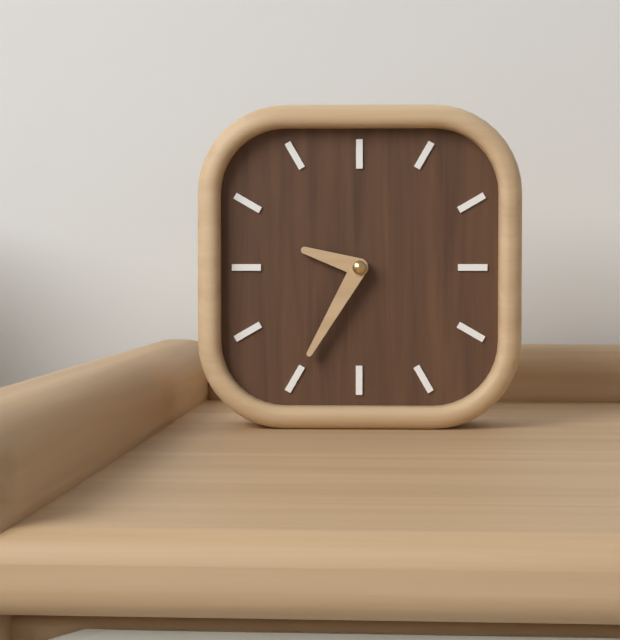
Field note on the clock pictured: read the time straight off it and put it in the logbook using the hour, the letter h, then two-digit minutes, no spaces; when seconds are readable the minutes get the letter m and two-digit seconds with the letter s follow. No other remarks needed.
9h35
